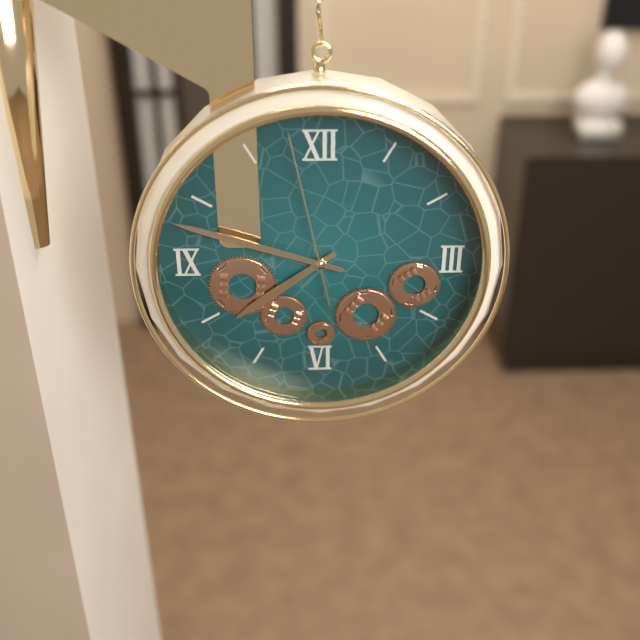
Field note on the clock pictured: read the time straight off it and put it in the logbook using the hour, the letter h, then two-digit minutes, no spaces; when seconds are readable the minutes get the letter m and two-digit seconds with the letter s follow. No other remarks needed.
7h48m58s
